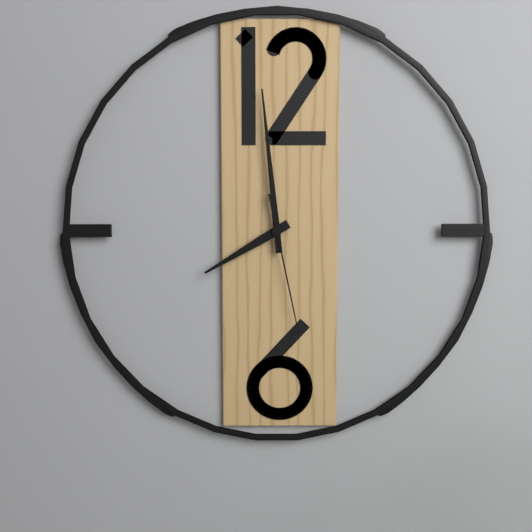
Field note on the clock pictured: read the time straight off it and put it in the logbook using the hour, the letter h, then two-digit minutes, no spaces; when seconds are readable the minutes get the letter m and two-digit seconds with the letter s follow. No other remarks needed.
7h59m28s
